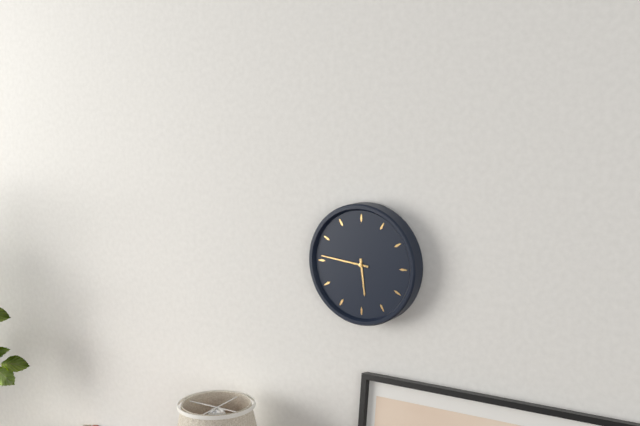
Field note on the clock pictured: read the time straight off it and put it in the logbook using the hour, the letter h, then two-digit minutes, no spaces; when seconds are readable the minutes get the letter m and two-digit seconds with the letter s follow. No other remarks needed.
5h46
